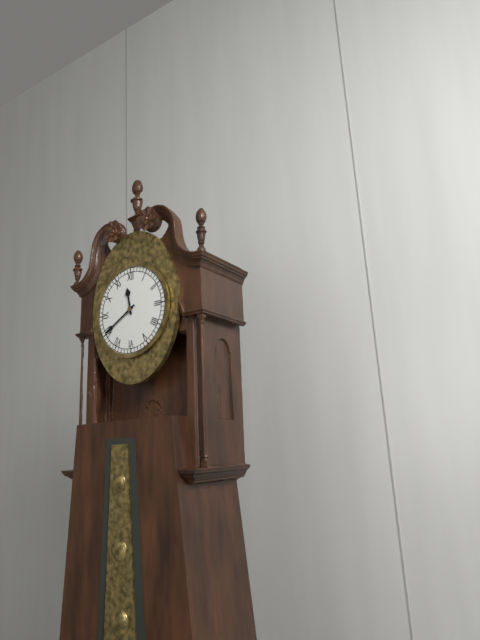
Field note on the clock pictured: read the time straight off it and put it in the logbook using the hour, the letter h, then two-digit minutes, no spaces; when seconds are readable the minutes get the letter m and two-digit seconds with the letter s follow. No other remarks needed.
11h40
